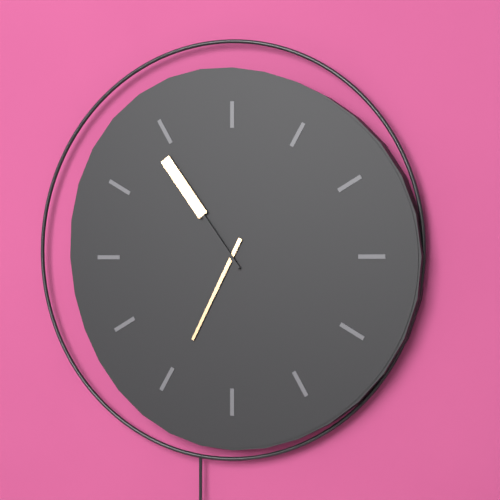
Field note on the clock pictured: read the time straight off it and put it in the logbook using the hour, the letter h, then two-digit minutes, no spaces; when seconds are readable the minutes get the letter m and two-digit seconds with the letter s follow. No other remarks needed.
6h54
